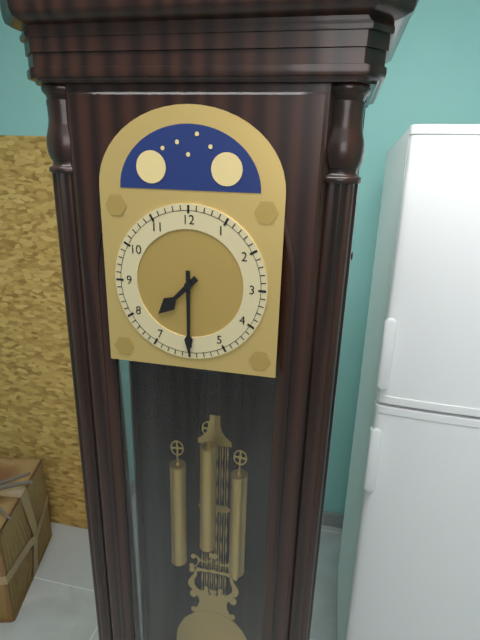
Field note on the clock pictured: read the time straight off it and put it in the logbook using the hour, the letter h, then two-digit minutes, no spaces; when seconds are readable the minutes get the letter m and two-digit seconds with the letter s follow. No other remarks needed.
7h30
